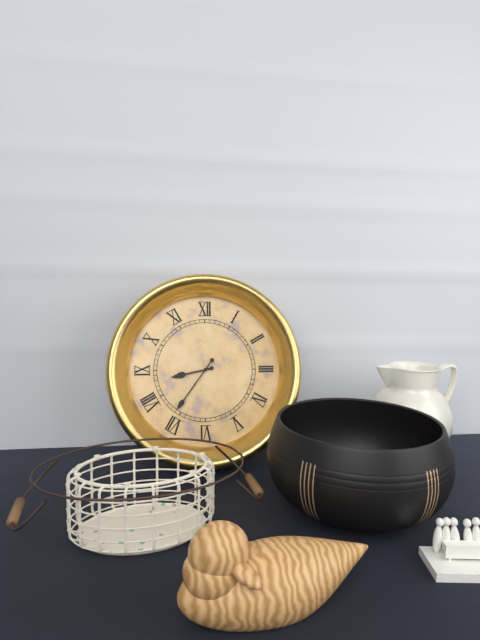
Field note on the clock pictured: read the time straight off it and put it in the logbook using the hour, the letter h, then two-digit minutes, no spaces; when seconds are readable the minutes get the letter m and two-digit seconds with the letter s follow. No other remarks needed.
8h36
